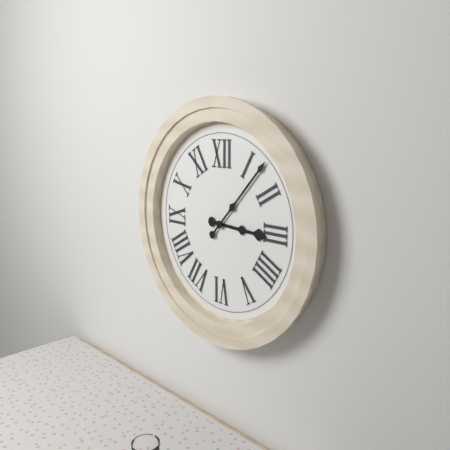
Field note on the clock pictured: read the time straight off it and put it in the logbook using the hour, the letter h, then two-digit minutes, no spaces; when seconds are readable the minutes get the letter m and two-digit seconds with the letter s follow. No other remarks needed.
3h07
